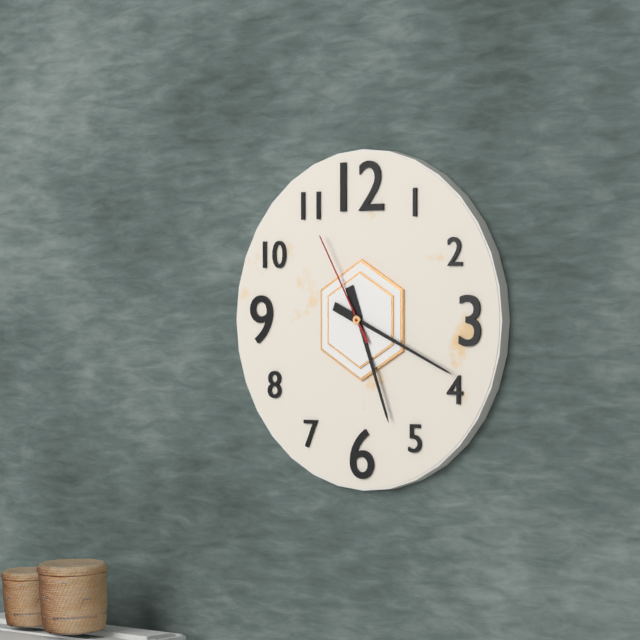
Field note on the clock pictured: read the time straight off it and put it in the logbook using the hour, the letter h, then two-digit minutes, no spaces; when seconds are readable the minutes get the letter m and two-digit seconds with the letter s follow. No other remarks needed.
5h19m55s
